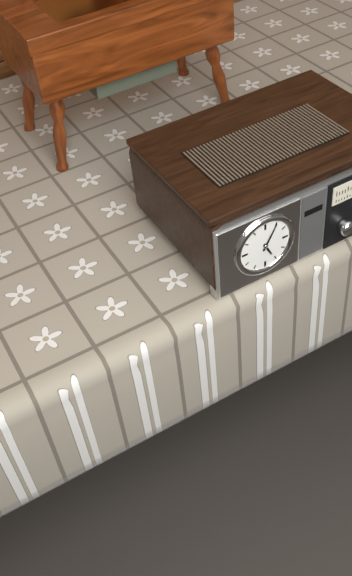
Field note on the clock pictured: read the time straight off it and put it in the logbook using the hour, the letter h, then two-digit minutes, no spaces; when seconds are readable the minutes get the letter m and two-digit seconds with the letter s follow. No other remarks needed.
5h05
